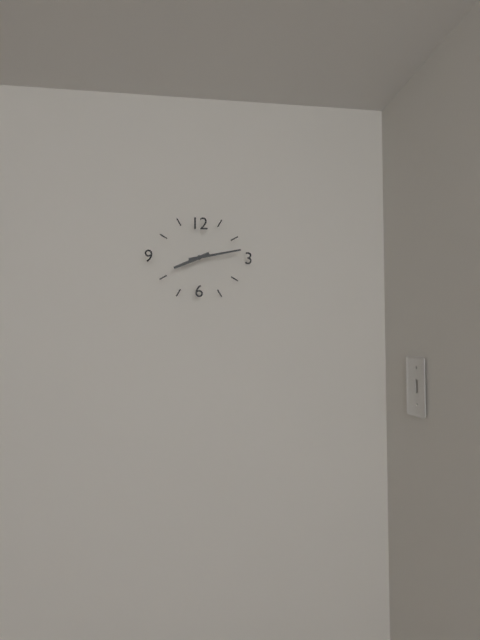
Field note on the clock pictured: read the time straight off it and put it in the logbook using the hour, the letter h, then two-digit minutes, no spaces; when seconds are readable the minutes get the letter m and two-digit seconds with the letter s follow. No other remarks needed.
8h13
